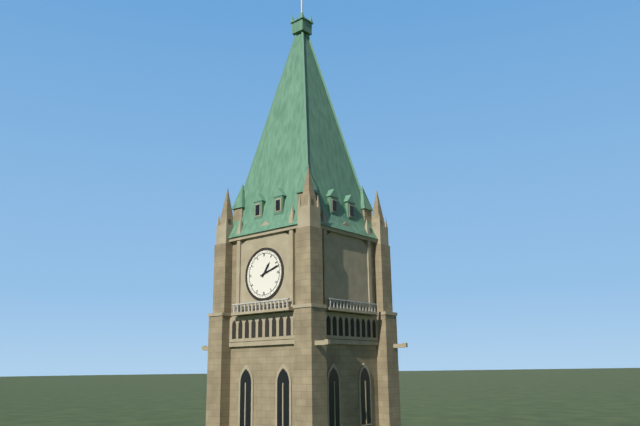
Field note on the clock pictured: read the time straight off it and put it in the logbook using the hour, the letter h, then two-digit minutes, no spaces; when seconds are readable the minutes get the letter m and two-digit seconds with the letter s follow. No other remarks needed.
1h12
